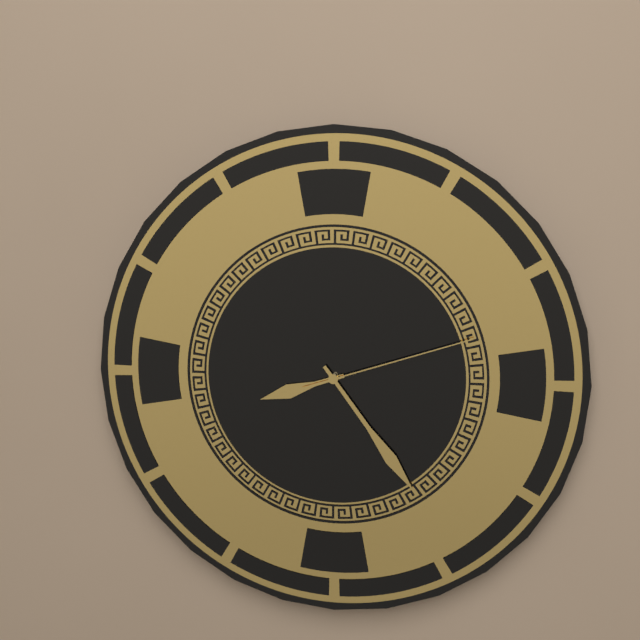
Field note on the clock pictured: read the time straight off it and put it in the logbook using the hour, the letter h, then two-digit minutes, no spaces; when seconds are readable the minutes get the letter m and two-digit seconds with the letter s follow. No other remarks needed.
8h24m12s
